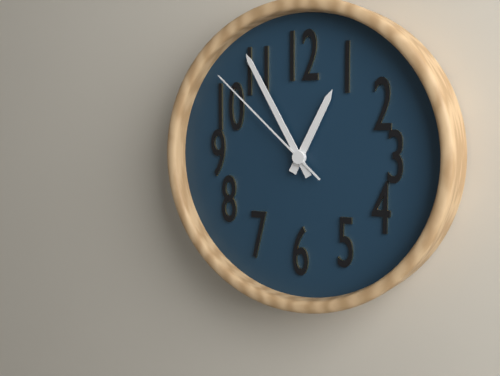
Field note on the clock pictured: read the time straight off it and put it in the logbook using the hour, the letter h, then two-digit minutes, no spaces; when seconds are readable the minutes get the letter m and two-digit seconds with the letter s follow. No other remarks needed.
12h55m52s
